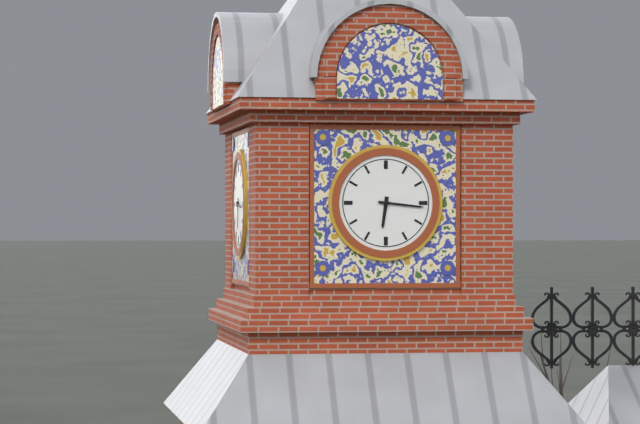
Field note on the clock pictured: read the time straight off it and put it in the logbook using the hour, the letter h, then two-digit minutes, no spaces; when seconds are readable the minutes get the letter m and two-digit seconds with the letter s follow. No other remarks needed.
6h16
